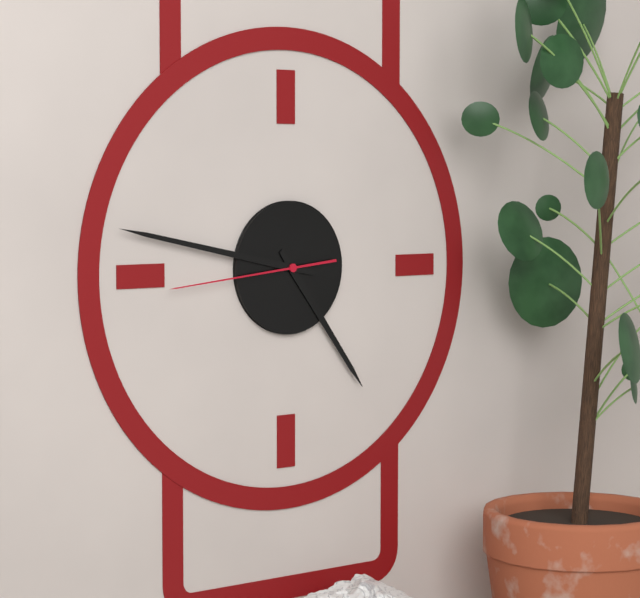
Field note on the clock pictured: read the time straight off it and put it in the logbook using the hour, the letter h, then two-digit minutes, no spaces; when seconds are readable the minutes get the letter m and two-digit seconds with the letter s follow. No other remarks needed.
4h47m44s
